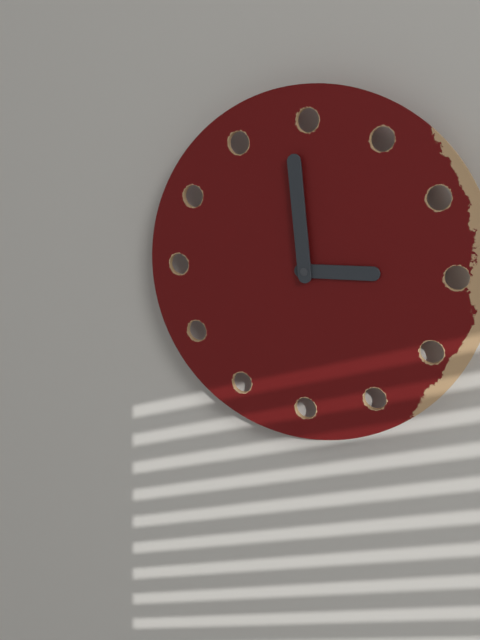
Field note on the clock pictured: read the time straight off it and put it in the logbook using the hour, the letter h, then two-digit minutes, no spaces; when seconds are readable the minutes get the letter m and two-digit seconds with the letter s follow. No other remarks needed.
2h59
